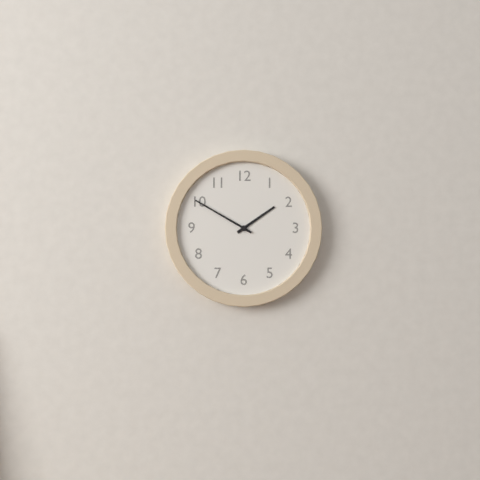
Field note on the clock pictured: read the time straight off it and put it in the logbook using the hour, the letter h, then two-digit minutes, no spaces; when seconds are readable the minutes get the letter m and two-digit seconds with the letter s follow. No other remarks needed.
1h50
